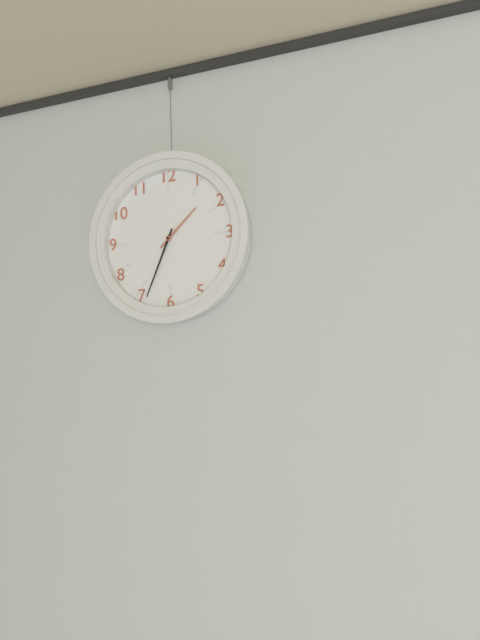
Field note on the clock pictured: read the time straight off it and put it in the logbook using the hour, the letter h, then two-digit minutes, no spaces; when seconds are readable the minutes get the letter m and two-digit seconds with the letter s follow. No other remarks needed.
1h34
